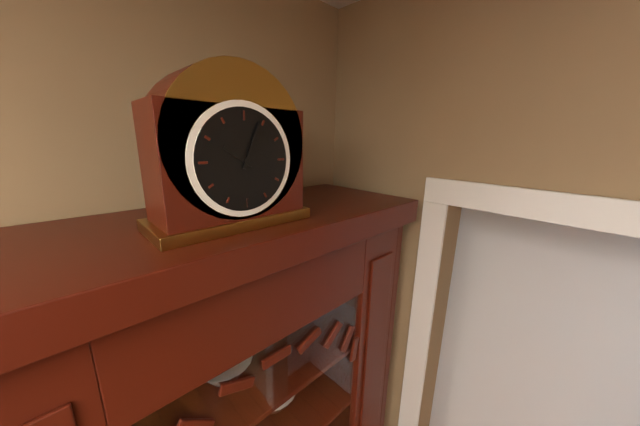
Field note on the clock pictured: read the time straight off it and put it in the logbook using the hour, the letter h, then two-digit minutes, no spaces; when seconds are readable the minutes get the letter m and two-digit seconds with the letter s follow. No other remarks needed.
10h04
